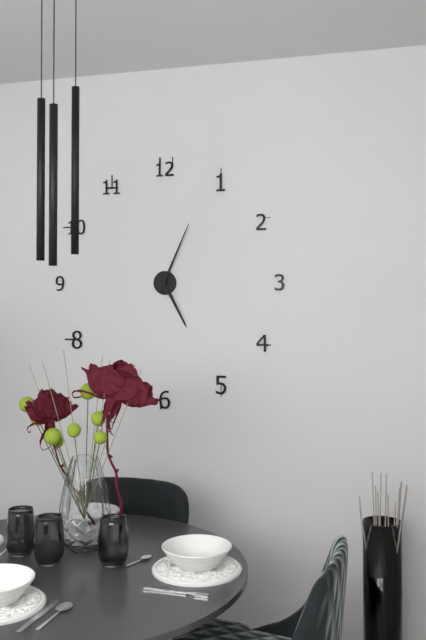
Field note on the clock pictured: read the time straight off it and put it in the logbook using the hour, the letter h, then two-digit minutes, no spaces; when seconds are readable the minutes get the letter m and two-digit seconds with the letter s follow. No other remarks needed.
5h04
